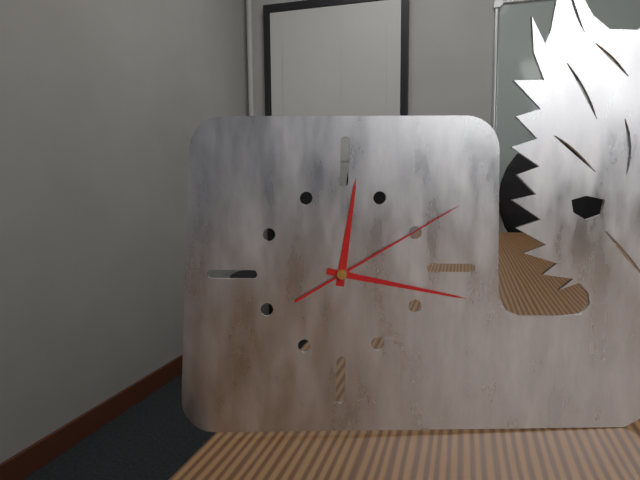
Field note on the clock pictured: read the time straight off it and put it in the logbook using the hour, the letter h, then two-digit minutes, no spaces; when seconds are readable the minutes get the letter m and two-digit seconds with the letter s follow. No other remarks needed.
12h17m10s
